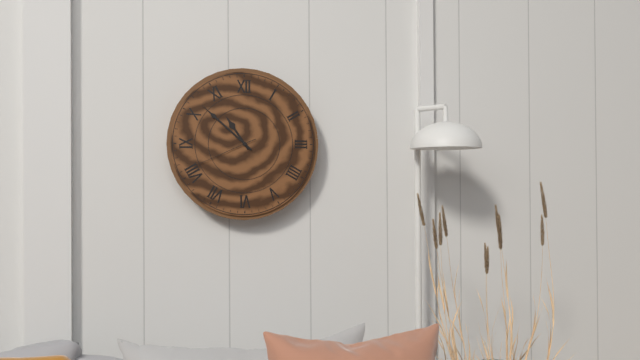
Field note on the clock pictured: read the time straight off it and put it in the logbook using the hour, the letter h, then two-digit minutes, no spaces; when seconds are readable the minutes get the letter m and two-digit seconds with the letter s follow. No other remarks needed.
10h52m41s
